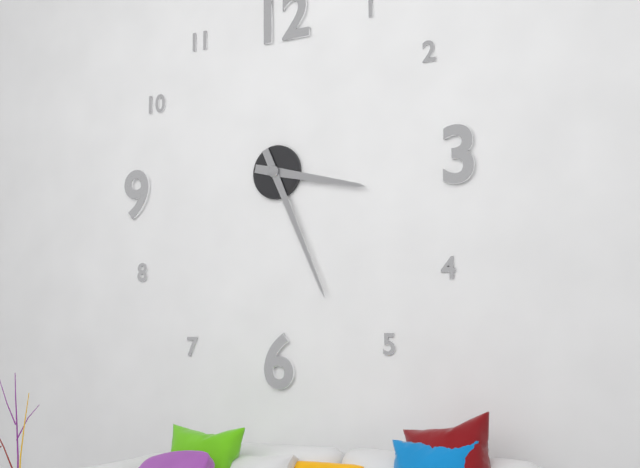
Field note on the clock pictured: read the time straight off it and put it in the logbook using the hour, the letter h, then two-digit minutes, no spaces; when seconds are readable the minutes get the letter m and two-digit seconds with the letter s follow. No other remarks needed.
3h26
